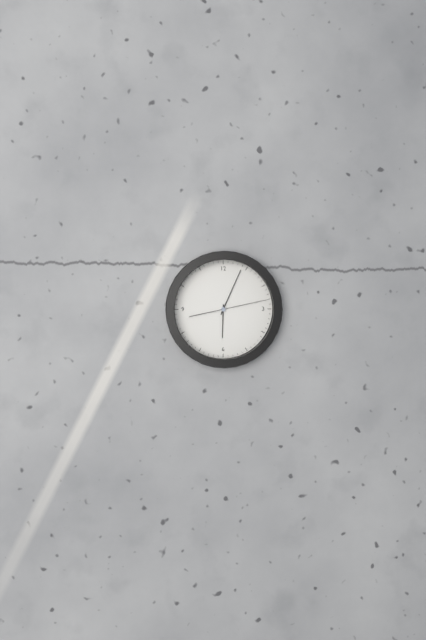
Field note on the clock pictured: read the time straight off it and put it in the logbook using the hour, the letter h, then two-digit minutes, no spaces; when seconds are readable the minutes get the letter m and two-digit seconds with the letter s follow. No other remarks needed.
6h04m13s
